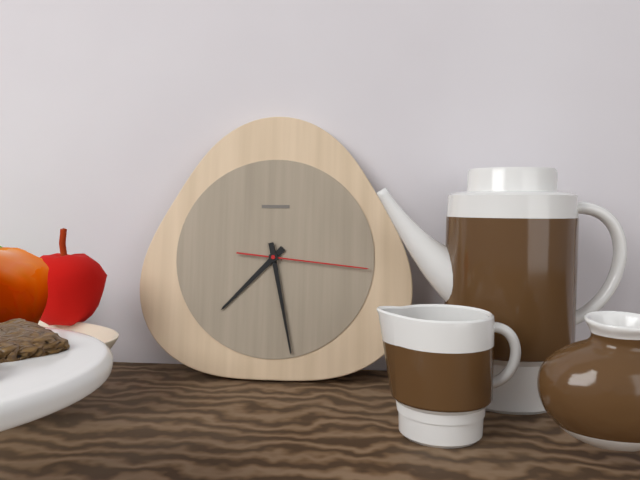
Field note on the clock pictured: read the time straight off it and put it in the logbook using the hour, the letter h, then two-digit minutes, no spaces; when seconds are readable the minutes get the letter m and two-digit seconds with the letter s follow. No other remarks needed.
7h28m16s
